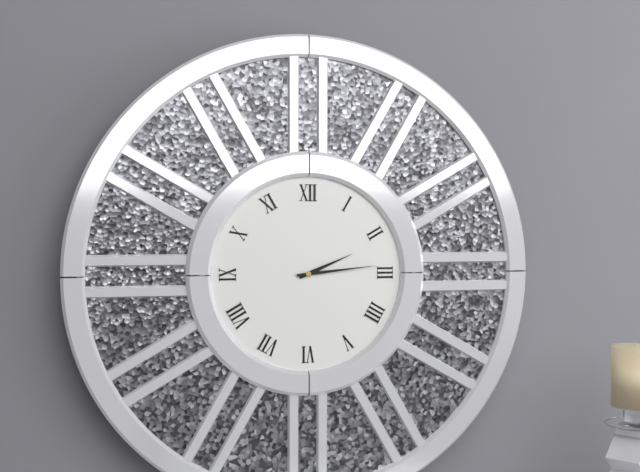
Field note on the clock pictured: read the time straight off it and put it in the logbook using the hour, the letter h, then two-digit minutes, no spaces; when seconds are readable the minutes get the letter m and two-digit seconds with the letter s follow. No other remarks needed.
2h14
